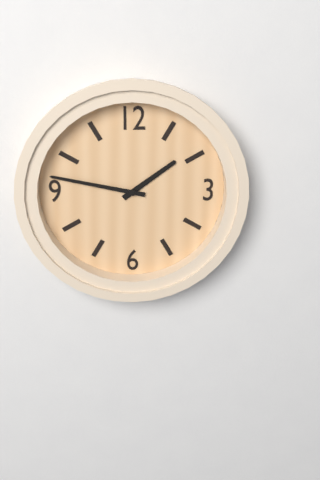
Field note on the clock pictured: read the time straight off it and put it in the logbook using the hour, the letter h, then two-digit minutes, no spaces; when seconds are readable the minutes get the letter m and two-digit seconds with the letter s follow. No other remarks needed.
1h47
